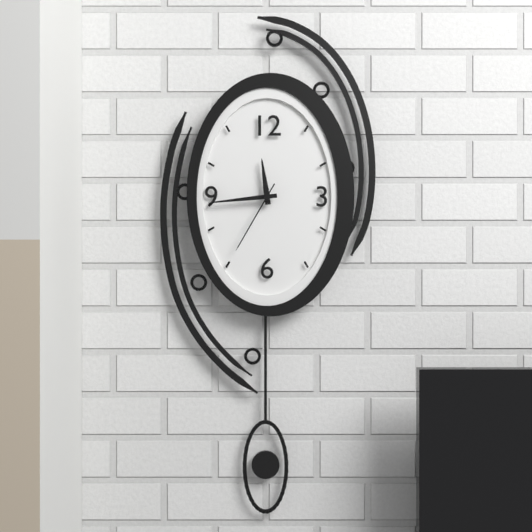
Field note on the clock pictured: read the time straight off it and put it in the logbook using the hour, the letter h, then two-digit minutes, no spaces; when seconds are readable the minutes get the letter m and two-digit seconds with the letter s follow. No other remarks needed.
11h44m35s
